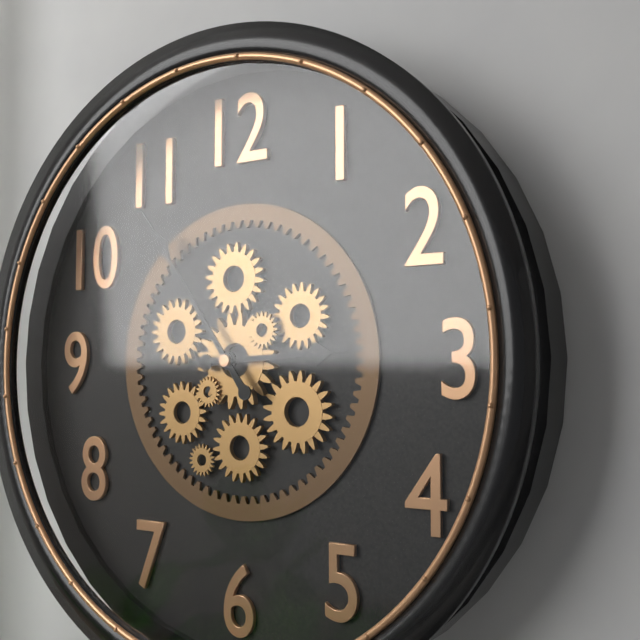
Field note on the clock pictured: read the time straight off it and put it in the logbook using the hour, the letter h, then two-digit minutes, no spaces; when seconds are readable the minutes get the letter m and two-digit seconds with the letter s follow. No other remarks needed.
2h54
